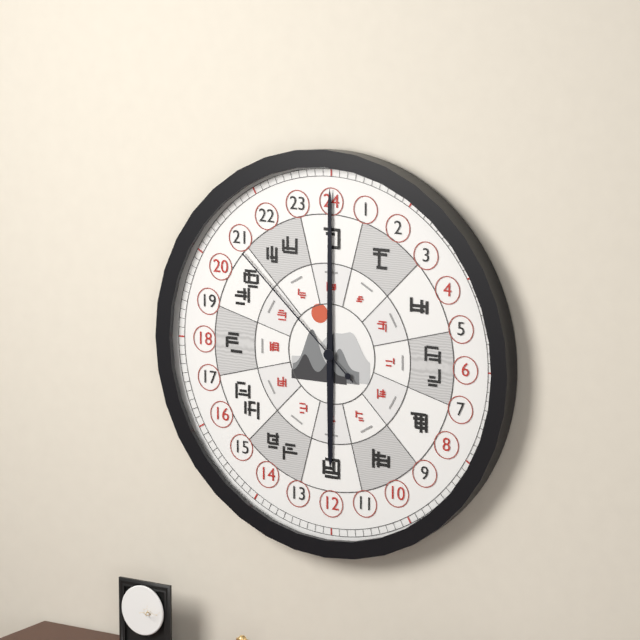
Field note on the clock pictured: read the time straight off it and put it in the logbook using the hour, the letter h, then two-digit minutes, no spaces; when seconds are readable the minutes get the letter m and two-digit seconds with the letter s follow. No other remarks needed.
6h00m52s
